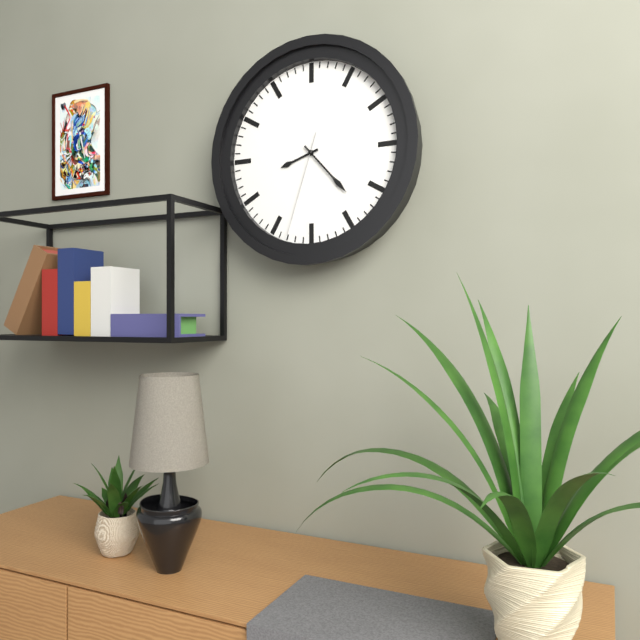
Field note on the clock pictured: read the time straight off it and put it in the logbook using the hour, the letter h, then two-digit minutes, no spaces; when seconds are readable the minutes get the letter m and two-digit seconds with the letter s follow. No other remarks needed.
8h23m33s
